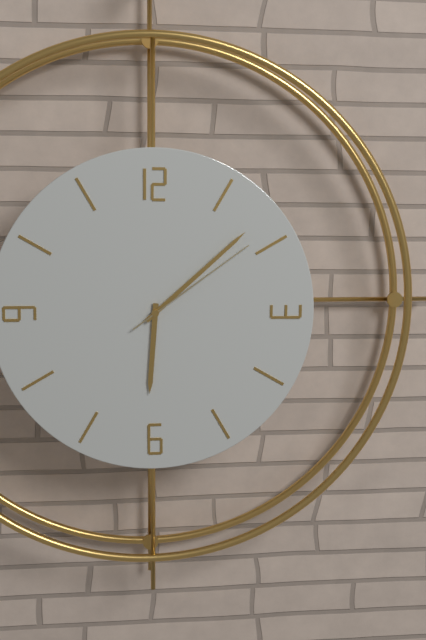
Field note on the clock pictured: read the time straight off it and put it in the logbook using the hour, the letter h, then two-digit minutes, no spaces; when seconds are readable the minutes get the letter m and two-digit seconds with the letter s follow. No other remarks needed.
6h08m09s
